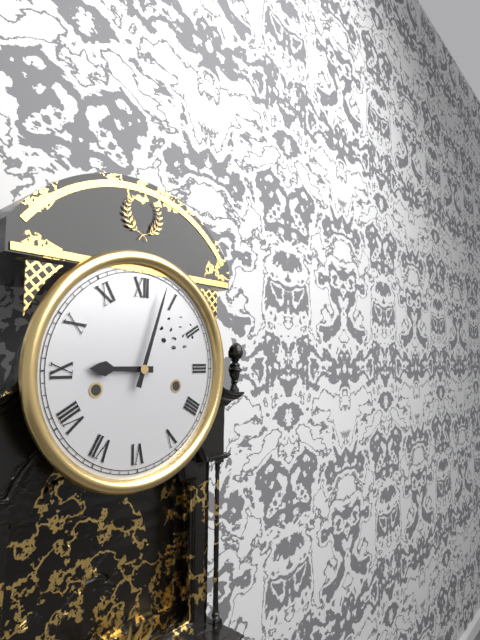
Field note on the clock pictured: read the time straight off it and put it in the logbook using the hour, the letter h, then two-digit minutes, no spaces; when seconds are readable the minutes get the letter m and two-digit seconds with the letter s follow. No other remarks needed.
9h03
